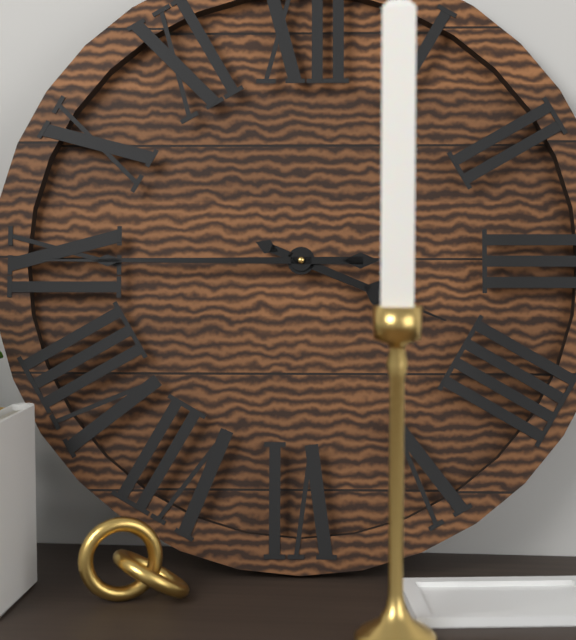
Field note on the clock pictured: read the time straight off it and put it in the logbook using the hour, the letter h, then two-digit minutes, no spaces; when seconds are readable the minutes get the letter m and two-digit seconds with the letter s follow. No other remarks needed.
3h45
